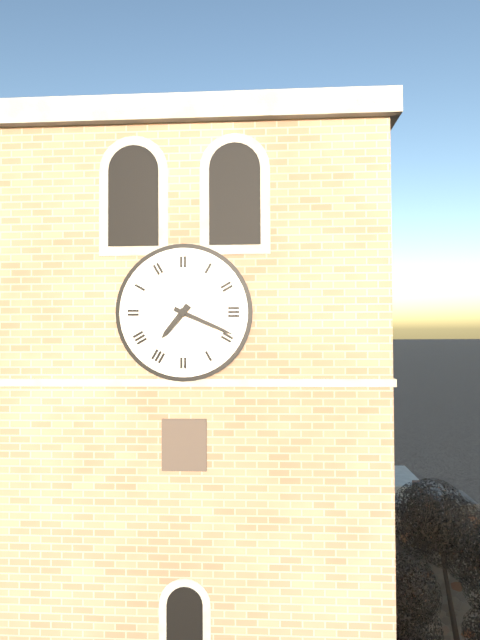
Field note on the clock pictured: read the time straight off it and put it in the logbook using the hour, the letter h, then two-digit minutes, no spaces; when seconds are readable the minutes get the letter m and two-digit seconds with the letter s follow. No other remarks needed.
7h19
